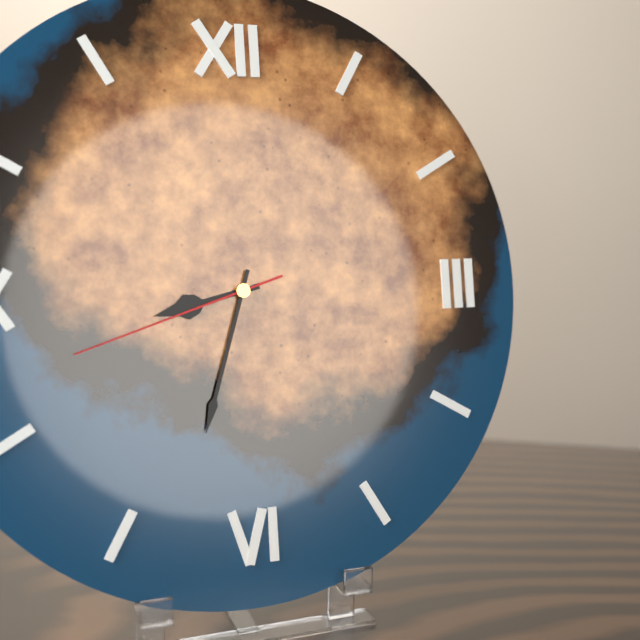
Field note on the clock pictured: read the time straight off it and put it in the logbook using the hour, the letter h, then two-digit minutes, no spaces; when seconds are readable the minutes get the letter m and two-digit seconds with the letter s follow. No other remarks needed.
8h33m42s
